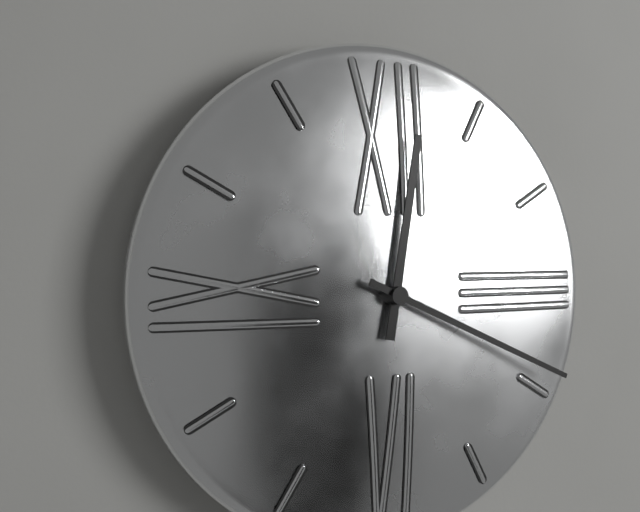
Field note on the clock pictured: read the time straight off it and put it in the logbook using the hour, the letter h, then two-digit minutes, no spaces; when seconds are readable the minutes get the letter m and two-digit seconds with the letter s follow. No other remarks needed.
12h19
